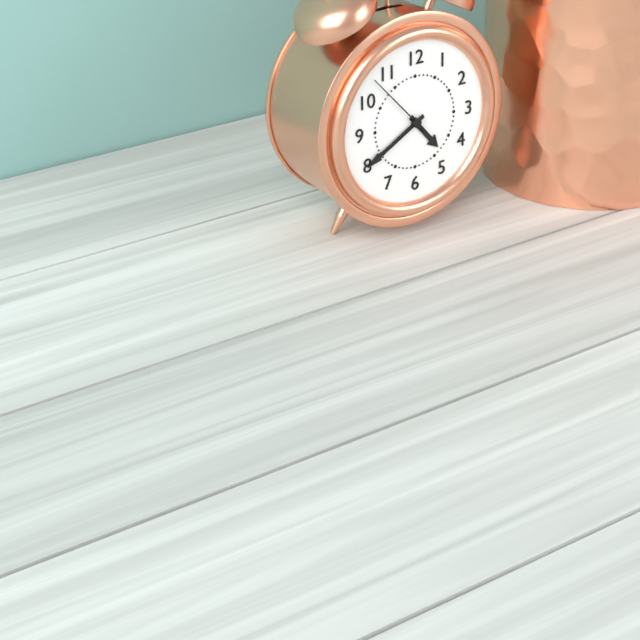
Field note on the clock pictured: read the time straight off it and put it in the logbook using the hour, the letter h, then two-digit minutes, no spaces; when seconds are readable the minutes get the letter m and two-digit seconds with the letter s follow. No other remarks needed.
4h40m53s
